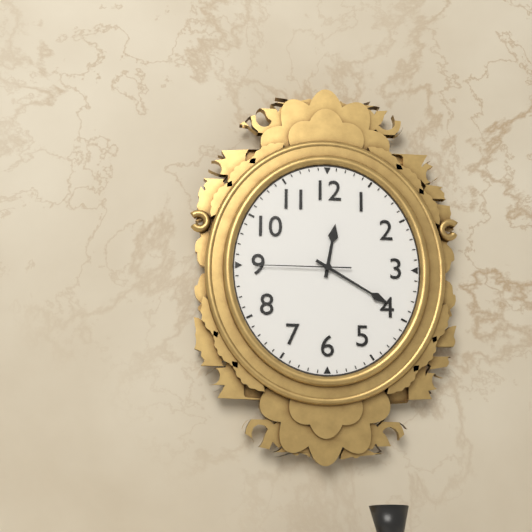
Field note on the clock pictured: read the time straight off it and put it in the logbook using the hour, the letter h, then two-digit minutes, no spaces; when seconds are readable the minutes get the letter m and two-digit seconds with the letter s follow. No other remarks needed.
12h20m45s
